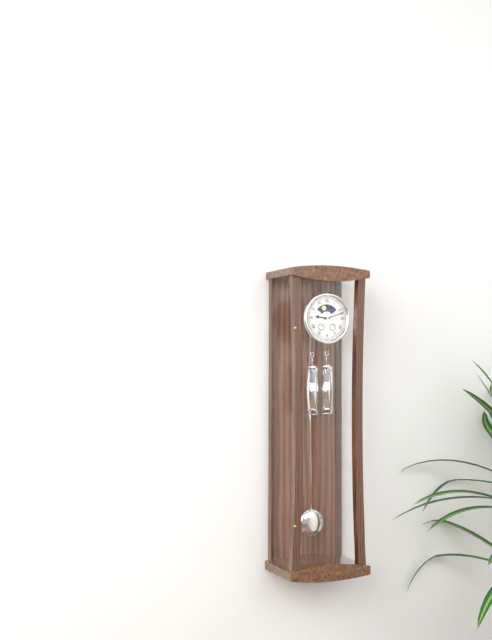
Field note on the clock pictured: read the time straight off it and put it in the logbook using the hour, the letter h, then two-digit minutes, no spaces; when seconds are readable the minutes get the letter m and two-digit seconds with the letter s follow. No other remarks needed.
9h12
